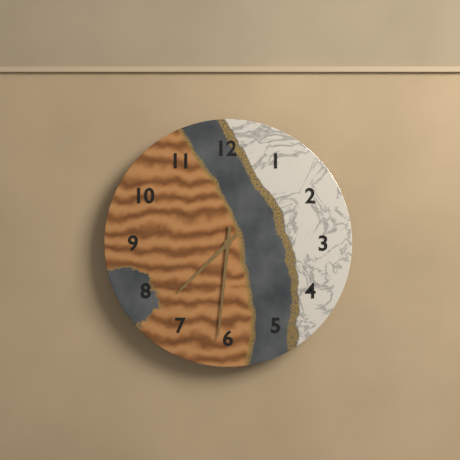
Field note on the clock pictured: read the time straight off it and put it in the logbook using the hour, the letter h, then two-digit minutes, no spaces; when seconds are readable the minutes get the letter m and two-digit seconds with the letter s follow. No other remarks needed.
7h31
